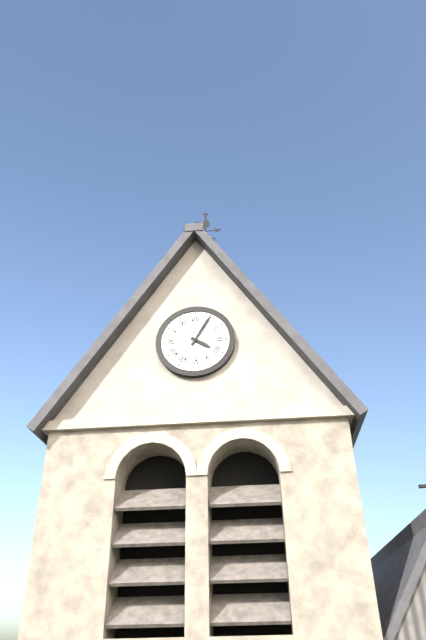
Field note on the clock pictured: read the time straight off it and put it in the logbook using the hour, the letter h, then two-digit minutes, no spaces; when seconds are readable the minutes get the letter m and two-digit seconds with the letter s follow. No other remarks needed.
4h05
